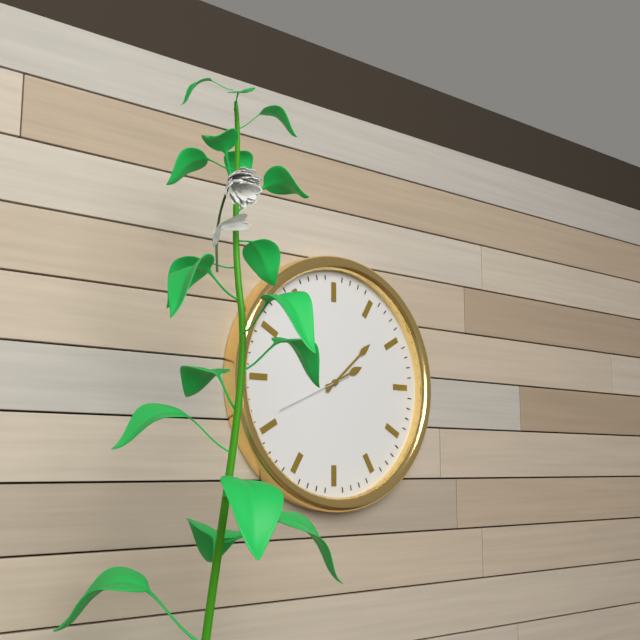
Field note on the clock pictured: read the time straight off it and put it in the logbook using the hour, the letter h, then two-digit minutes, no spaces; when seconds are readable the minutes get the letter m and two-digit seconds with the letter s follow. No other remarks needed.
2h08m41s
